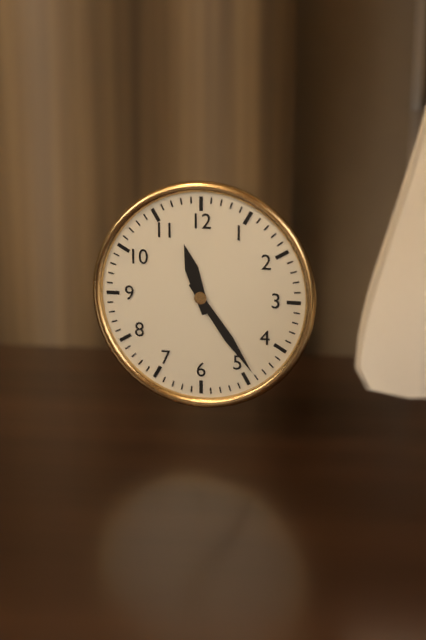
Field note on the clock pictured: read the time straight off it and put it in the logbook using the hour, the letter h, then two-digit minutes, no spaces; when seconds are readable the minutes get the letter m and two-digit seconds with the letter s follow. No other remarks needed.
11h24
